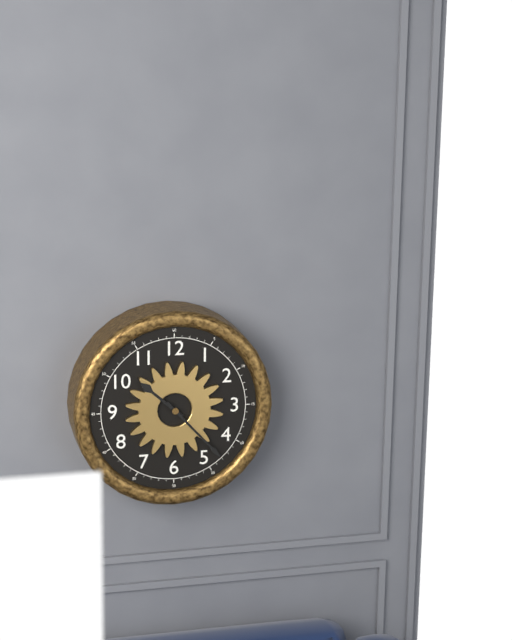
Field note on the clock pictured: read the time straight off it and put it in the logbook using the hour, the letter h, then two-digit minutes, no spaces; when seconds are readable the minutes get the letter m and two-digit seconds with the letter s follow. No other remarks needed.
10h23
